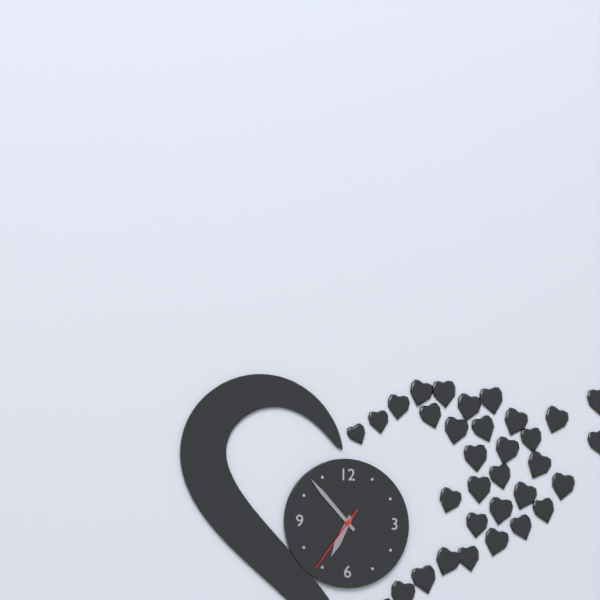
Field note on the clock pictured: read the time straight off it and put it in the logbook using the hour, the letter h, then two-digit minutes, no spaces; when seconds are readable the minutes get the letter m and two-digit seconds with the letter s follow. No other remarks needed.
6h53m36s
